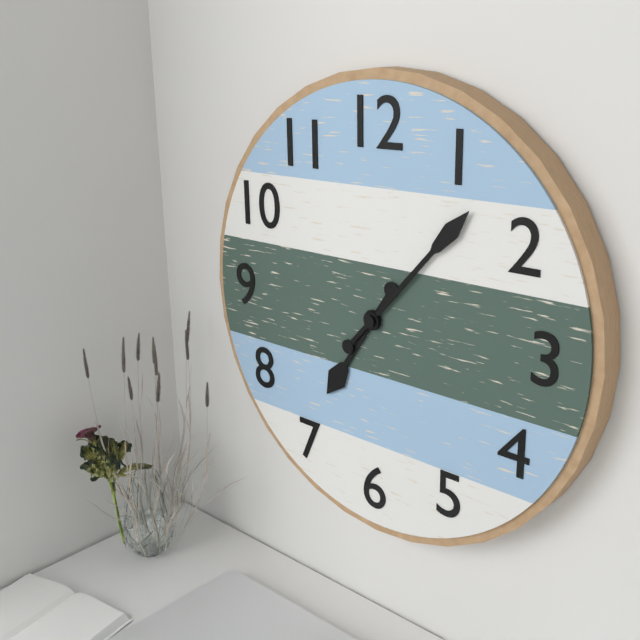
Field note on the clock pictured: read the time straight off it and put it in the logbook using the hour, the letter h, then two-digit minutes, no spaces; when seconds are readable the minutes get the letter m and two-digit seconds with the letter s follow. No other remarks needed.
7h07
